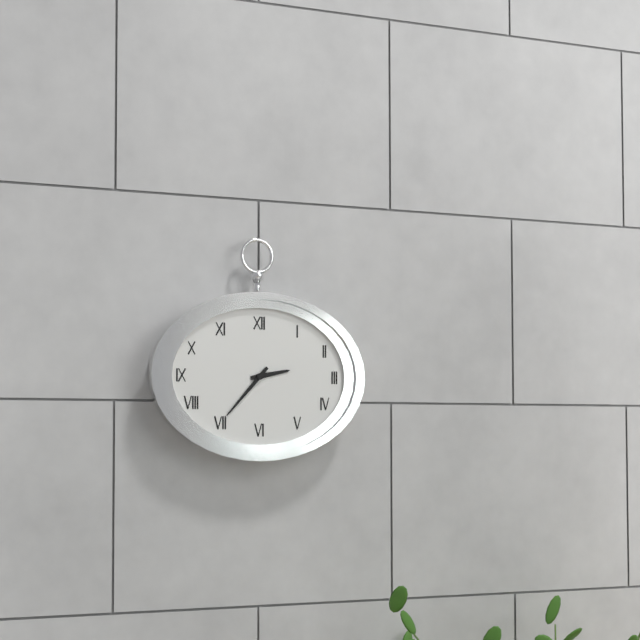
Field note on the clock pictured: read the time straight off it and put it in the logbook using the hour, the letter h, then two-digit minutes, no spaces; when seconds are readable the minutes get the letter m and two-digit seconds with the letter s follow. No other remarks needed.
2h37
